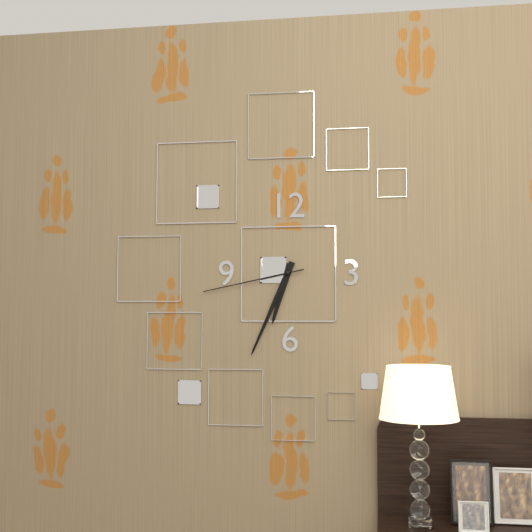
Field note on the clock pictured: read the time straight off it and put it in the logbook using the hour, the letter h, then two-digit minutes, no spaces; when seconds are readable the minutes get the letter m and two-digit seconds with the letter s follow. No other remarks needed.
6h34m43s
